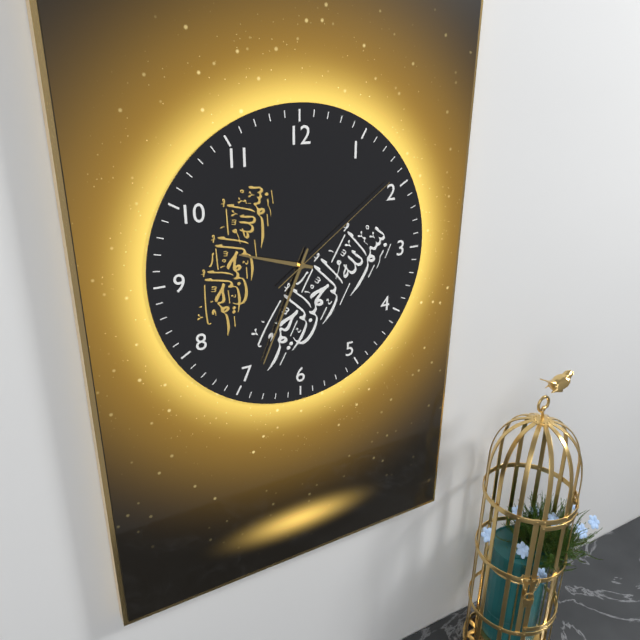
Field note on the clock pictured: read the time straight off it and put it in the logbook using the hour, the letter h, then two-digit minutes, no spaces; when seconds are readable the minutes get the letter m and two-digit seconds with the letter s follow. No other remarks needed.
9h34m09s
